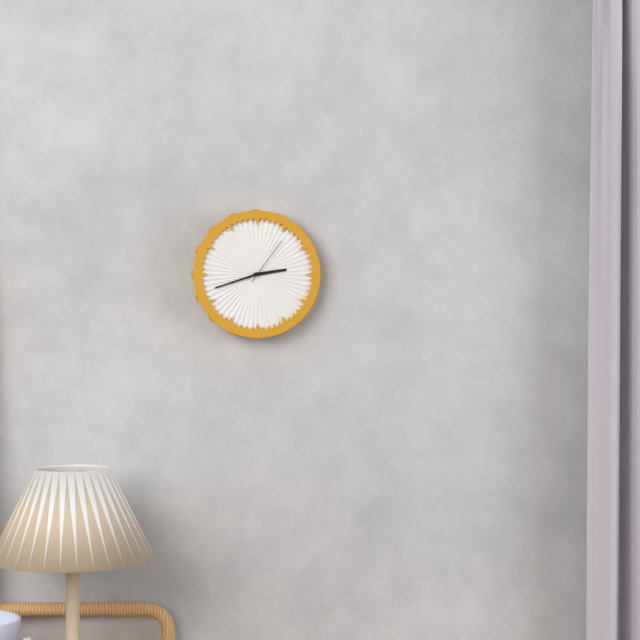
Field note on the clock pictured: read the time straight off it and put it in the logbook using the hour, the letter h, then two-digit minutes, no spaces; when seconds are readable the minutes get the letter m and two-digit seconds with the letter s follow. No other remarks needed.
2h42m06s
